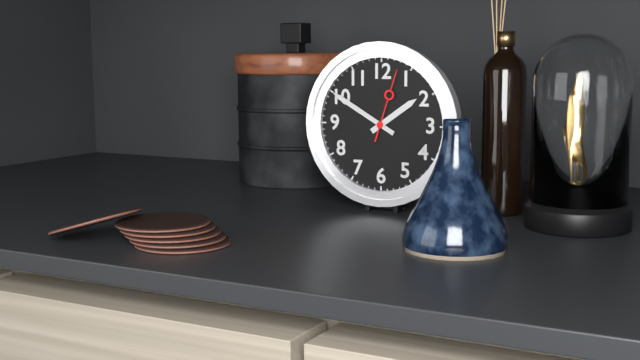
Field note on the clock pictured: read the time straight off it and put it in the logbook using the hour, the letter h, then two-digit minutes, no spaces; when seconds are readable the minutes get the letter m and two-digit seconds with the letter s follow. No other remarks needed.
1h50m03s
